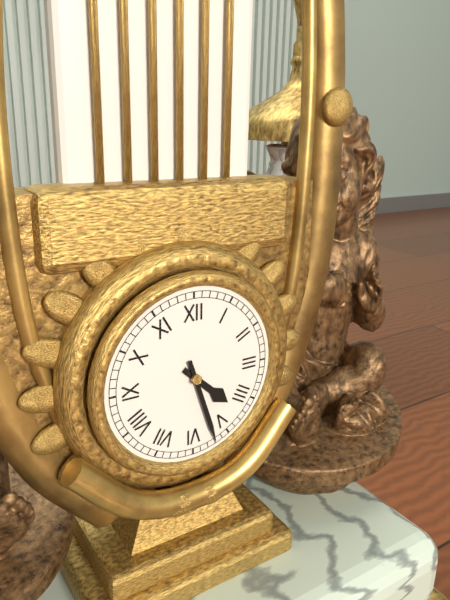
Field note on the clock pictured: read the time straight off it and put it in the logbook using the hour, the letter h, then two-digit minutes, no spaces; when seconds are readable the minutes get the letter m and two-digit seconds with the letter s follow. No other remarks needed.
4h27
